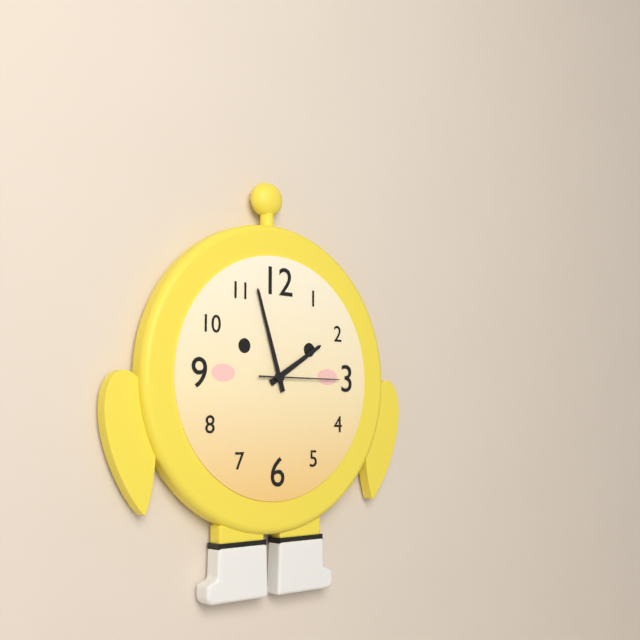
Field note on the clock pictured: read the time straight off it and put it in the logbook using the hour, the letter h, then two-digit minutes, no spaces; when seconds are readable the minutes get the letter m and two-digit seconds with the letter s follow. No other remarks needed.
1h57m15s
